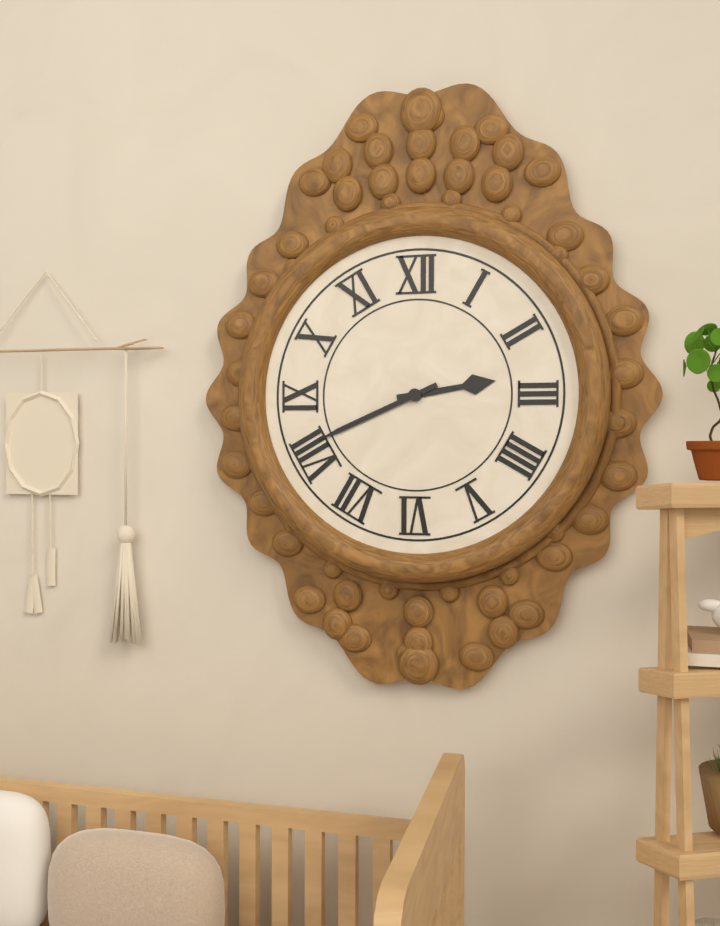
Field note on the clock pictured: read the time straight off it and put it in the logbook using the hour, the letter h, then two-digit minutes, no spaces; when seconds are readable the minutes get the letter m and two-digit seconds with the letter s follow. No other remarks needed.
2h41
